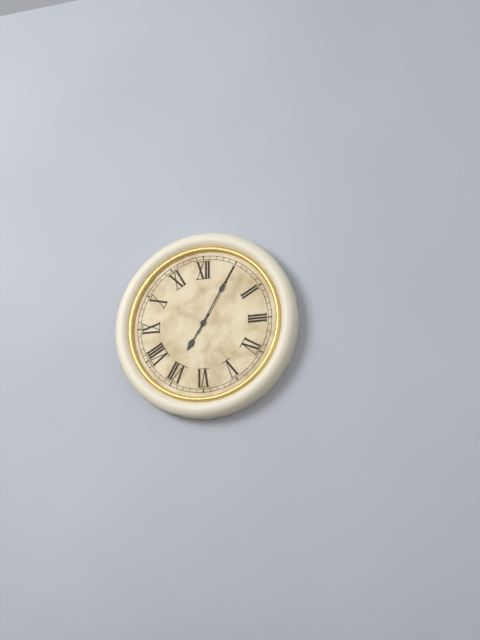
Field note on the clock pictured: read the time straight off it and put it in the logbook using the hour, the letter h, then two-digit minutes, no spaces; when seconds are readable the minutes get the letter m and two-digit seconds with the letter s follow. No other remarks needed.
7h05
